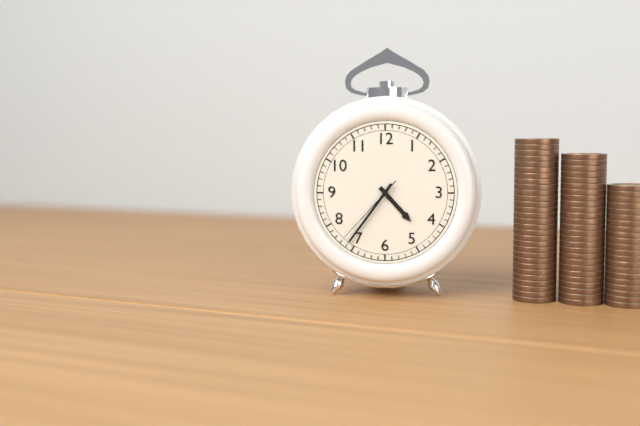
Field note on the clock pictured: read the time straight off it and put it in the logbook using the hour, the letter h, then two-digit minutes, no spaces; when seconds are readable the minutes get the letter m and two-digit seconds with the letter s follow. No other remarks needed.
4h36m37s
